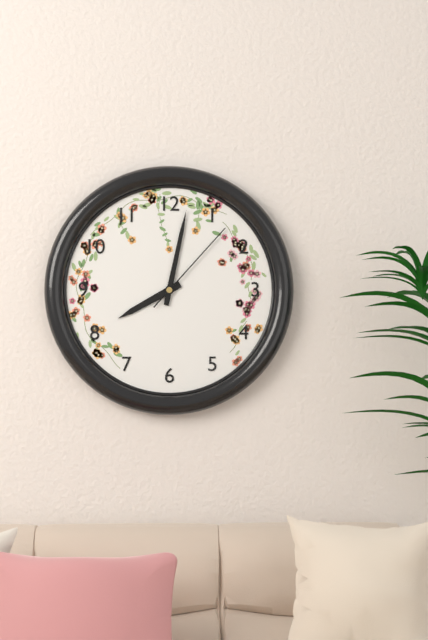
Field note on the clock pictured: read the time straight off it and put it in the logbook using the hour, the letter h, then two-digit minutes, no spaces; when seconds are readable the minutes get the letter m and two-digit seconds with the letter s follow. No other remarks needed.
8h02m07s
